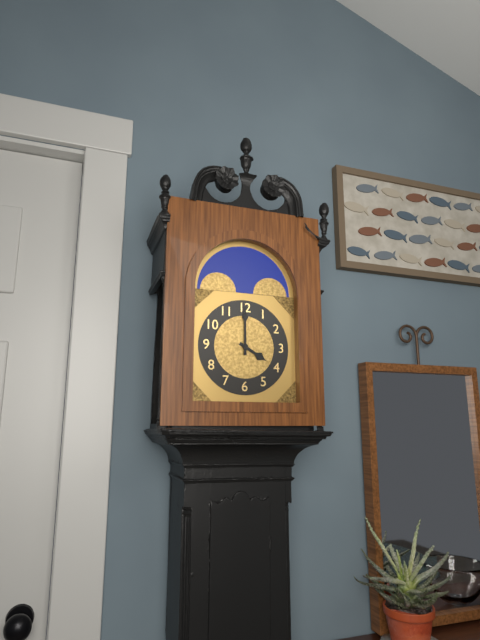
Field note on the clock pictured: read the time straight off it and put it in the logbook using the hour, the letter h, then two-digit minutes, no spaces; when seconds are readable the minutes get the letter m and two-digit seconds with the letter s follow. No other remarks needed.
4h00
